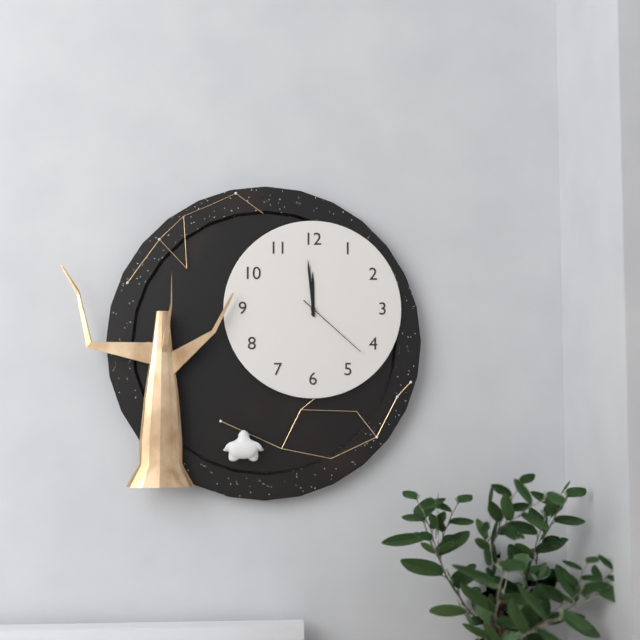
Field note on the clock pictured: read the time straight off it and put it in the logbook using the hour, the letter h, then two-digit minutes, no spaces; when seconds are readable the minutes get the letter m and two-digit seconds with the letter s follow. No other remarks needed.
11h59m22s
